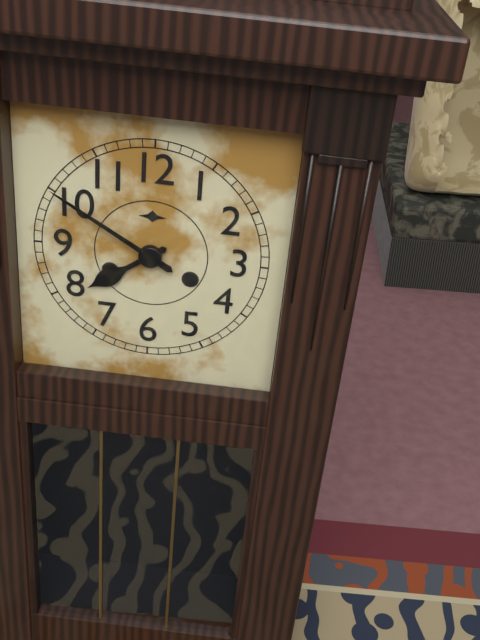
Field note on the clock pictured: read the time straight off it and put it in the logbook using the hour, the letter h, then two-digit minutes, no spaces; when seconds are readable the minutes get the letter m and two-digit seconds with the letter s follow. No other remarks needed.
7h50
